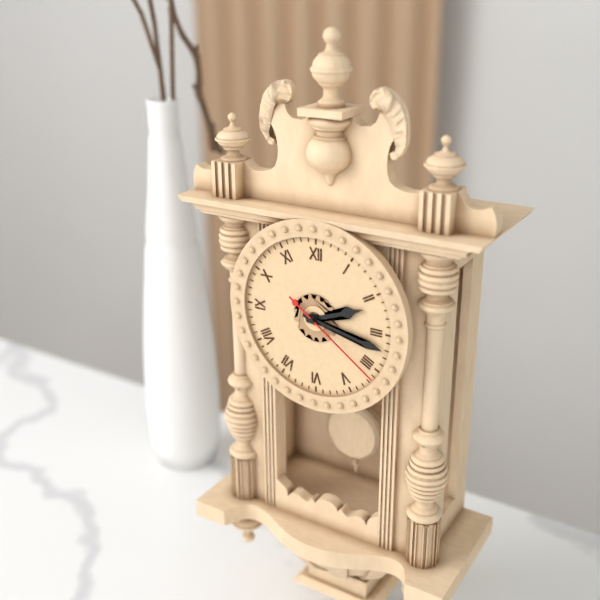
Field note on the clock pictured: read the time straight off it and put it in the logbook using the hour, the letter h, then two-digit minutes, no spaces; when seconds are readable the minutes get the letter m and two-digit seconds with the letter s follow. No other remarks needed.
2h17m21s
